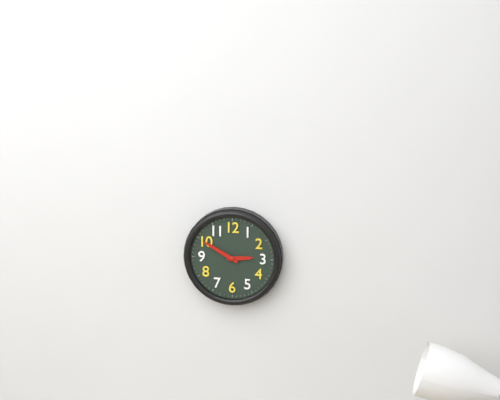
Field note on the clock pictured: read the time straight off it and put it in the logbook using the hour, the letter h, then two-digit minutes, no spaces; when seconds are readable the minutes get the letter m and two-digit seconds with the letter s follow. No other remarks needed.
2h50
